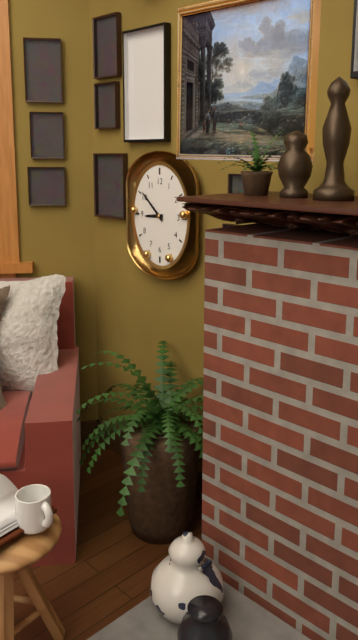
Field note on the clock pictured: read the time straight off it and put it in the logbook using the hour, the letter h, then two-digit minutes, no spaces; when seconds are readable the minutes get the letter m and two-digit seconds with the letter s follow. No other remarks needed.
8h52
